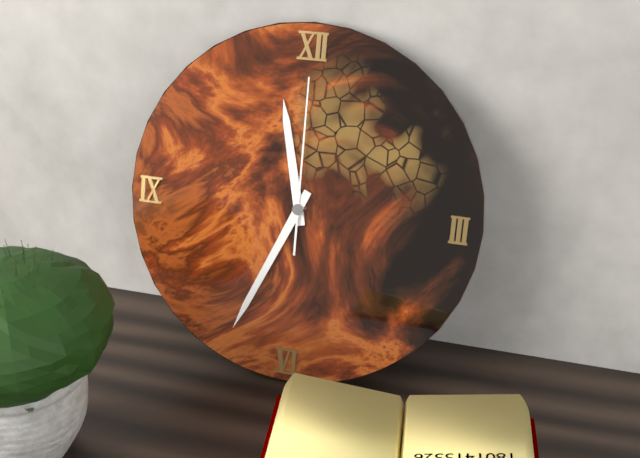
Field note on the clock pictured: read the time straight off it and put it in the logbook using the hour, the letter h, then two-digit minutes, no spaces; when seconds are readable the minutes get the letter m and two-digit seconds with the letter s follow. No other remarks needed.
11h34m00s
